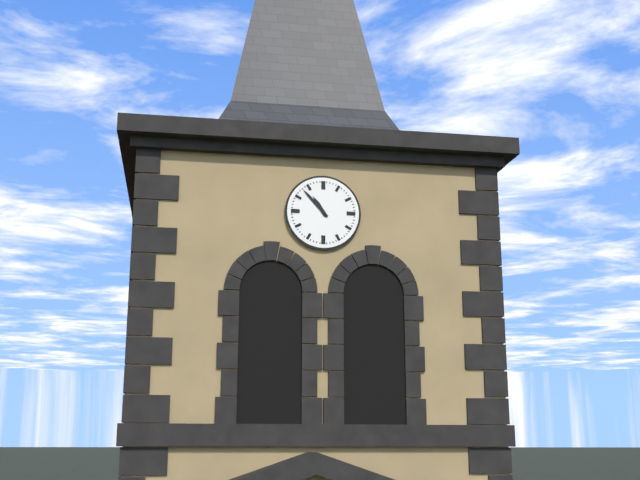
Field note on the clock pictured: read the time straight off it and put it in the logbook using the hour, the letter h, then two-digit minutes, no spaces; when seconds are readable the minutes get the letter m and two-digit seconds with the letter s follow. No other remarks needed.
10h53
